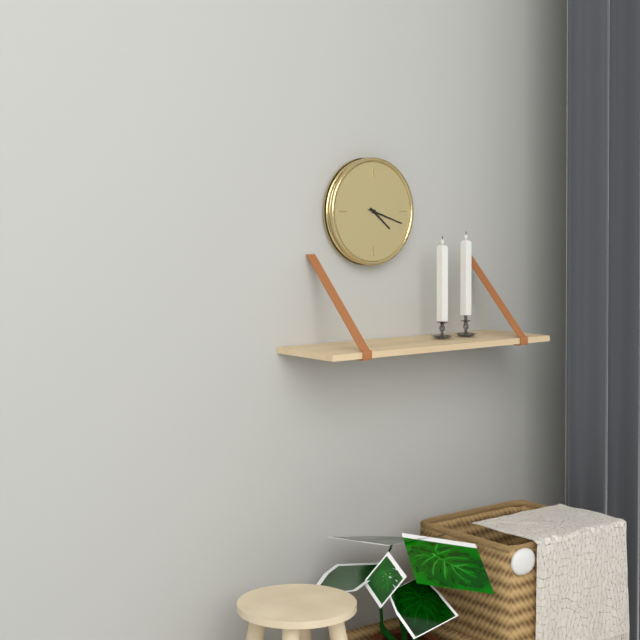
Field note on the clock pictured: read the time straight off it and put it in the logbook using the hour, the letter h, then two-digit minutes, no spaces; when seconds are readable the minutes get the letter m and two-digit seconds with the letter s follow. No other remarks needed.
4h18
